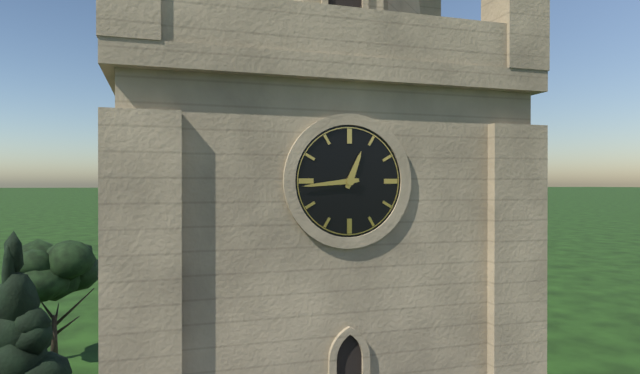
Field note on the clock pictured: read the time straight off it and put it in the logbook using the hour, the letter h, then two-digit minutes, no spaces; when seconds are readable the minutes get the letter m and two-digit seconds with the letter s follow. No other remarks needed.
12h44
